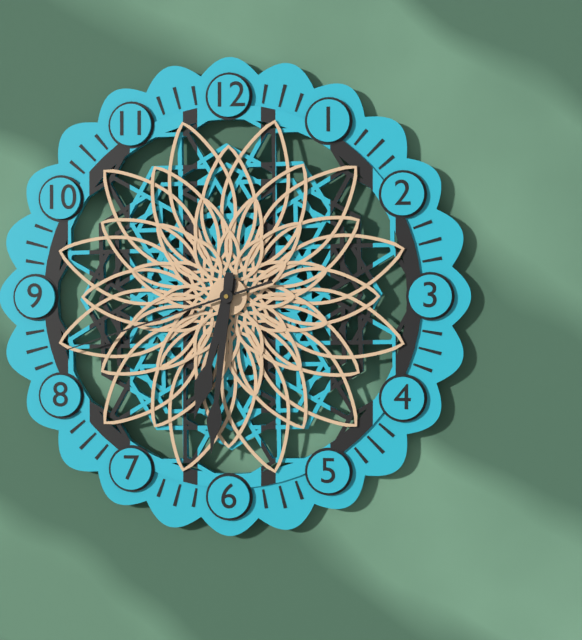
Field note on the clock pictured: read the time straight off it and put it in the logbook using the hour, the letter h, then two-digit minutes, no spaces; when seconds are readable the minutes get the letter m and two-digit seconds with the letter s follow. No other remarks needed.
6h31m42s
